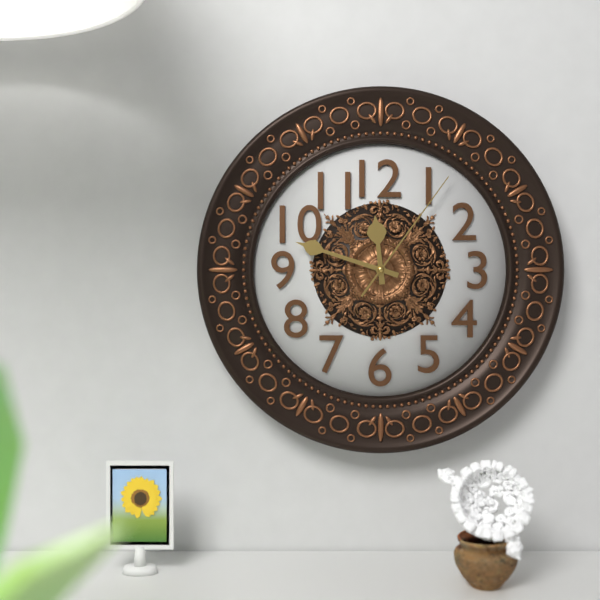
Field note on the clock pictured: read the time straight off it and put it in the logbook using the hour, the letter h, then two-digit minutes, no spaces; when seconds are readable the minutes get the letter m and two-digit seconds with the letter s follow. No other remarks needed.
11h48m06s
